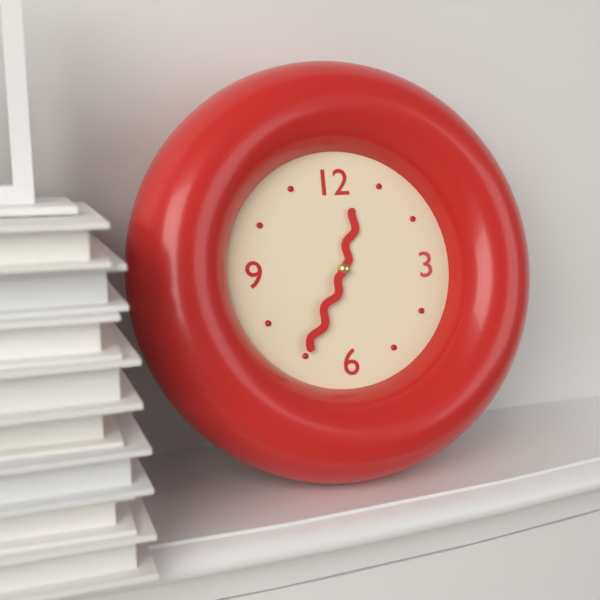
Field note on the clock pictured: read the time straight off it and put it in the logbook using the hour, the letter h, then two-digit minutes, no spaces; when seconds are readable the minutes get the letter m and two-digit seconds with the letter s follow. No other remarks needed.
12h35
